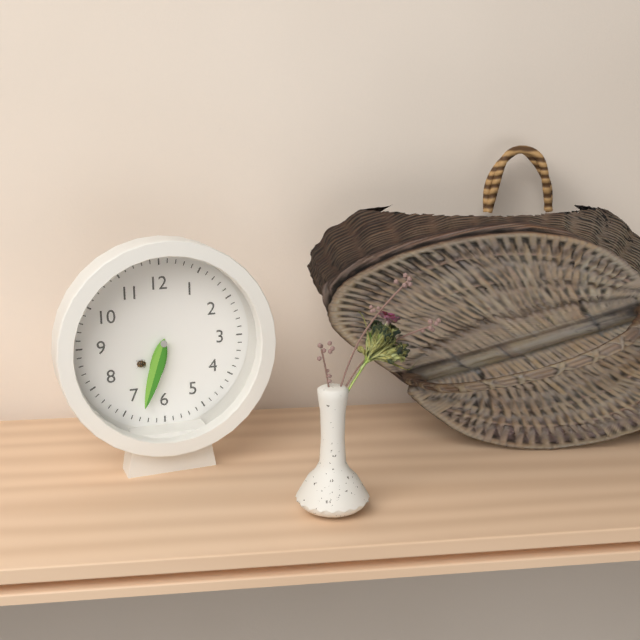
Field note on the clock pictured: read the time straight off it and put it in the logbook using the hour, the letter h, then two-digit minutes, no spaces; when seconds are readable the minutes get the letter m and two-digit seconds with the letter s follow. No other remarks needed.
6h33
